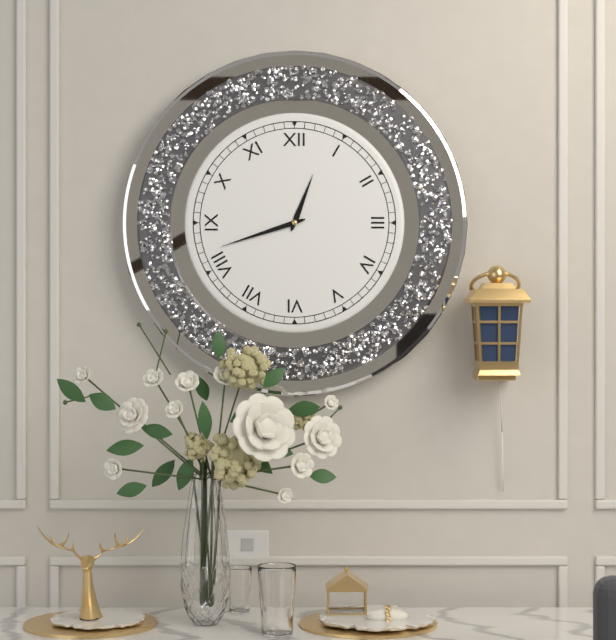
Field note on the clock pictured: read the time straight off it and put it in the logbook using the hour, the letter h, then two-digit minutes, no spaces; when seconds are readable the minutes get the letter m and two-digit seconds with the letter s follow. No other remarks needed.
12h42
